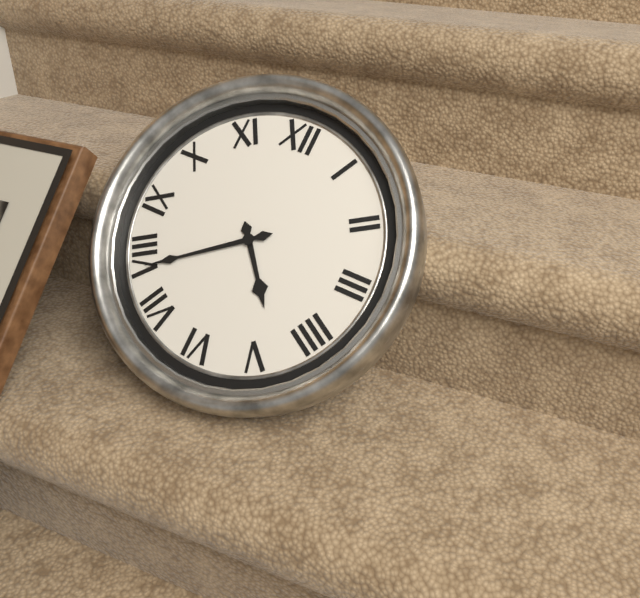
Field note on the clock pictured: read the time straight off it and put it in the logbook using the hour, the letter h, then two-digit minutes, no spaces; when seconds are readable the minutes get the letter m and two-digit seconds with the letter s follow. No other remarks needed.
4h39
